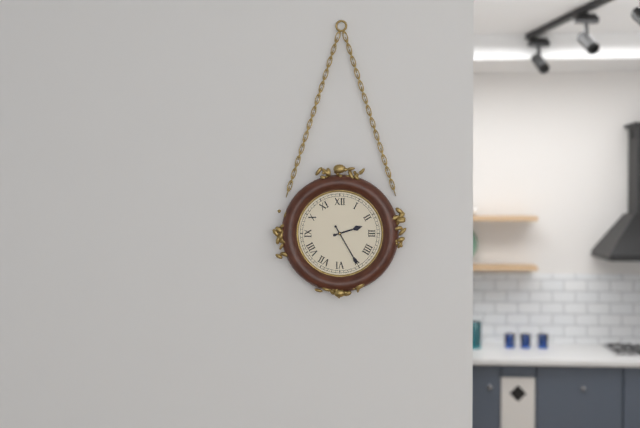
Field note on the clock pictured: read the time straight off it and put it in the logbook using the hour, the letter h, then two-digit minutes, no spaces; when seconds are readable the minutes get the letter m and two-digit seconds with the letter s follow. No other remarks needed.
2h25
